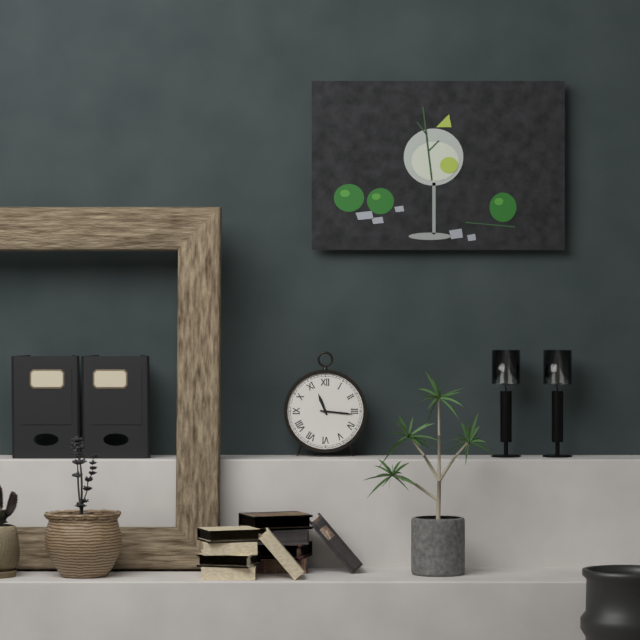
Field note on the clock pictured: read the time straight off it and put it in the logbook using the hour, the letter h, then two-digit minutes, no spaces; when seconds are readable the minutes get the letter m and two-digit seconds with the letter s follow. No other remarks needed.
11h16
